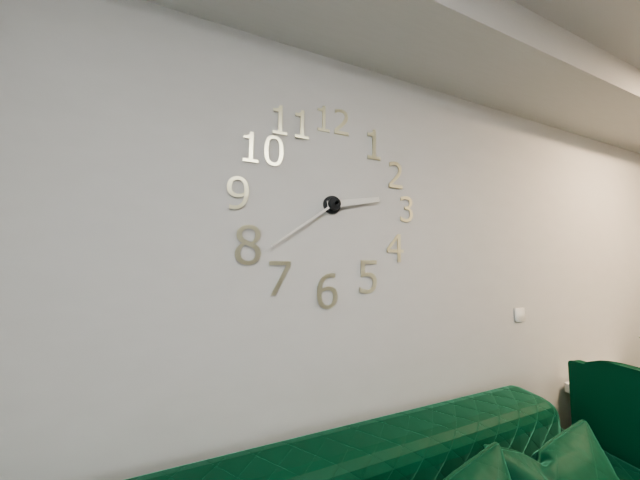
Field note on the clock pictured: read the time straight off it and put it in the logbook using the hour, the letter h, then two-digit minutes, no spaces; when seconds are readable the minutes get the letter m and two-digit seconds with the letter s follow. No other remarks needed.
2h39
